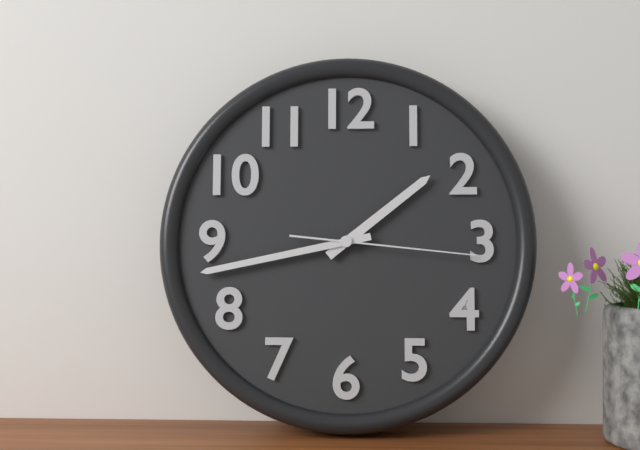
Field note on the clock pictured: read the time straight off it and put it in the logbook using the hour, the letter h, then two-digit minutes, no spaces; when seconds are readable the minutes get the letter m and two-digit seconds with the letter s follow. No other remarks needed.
1h43m16s
